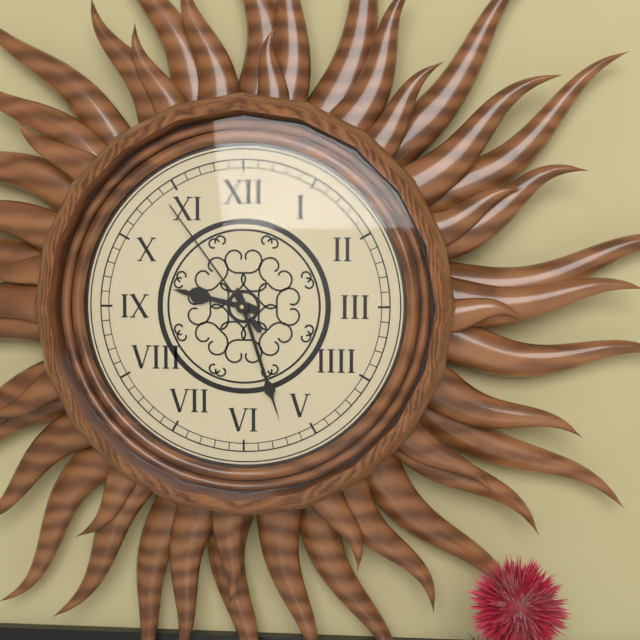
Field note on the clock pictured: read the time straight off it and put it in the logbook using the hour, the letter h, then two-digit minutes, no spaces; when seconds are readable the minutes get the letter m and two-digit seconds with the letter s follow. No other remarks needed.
9h27m54s
